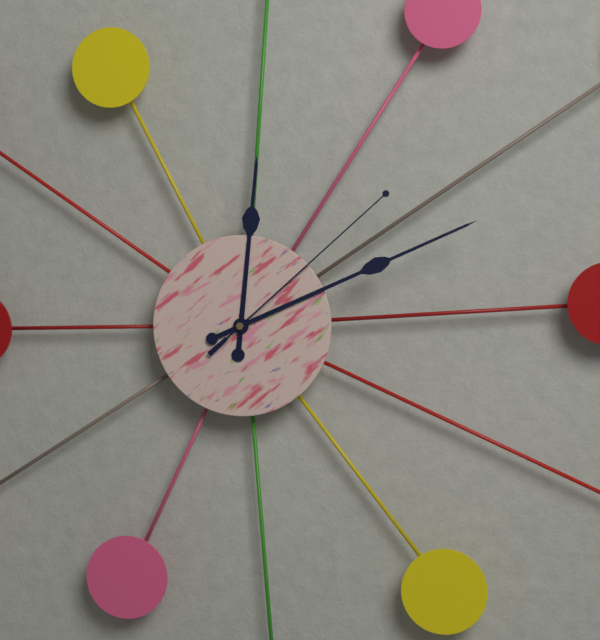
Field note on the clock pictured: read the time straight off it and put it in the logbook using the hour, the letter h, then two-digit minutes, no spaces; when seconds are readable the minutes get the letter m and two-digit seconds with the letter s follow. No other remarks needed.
12h11m08s
